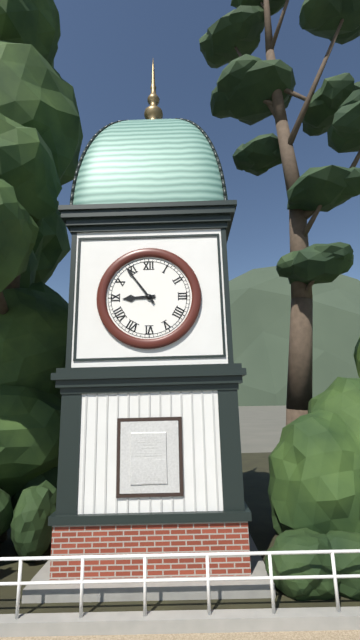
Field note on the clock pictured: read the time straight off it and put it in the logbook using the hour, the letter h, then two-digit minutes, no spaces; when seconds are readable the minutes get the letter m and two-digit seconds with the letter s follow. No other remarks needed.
8h54
